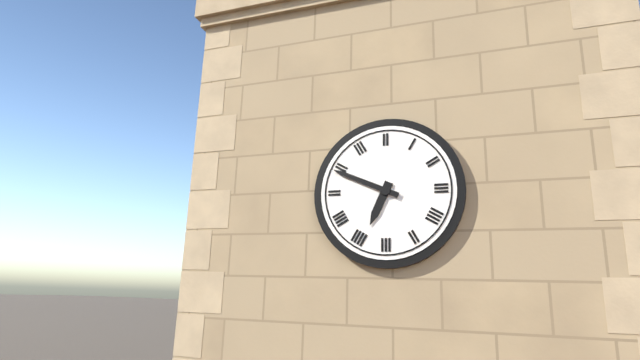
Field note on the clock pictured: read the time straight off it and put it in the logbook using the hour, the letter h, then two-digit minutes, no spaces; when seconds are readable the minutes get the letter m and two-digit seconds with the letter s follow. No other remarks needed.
6h49
